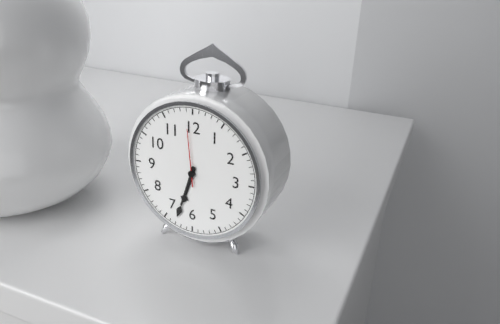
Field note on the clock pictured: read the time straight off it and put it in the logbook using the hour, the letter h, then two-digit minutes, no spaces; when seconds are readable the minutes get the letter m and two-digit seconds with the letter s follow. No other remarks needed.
6h33m59s
